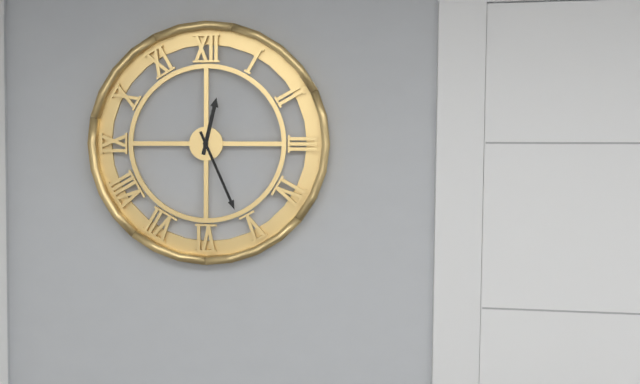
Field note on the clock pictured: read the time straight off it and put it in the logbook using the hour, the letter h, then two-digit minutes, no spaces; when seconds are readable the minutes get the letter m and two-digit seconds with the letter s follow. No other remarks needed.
12h26
